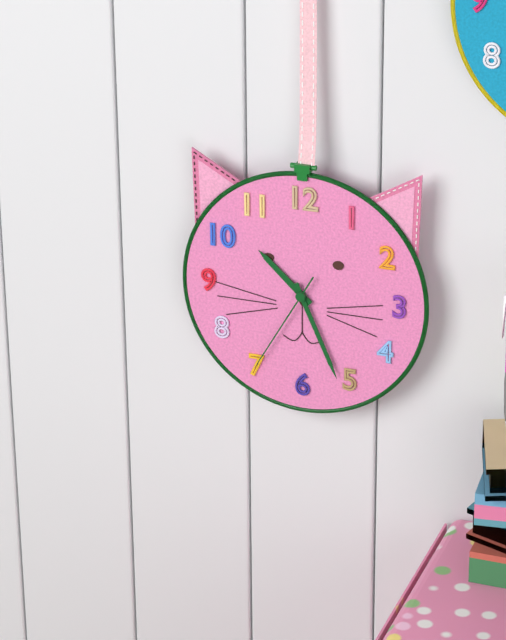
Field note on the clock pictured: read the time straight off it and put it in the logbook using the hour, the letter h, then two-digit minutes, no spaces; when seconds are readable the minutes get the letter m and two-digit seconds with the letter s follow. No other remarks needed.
10h26m35s
